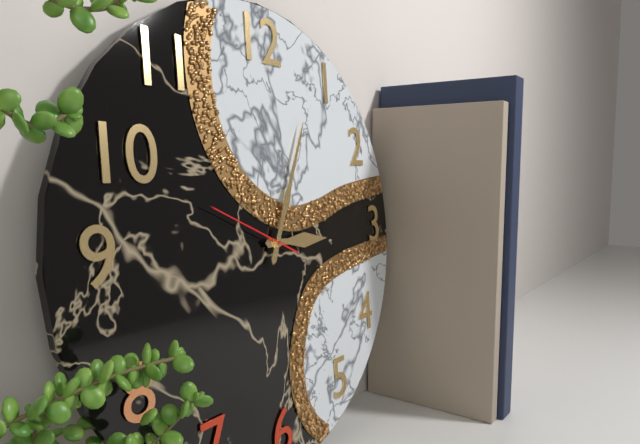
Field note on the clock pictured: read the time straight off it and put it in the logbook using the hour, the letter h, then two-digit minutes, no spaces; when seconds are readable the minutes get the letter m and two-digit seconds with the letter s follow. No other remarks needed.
3h04m49s
